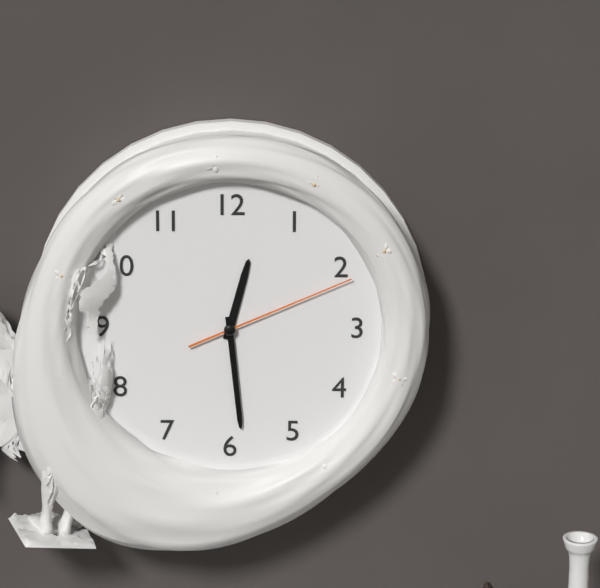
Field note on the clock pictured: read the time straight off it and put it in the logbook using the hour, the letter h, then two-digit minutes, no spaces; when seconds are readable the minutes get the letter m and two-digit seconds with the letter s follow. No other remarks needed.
12h29m11s
